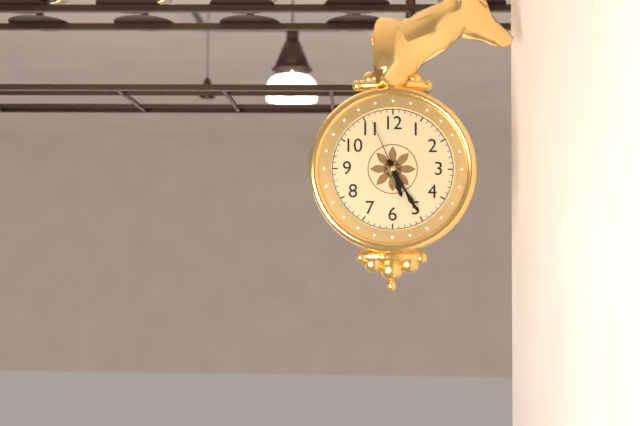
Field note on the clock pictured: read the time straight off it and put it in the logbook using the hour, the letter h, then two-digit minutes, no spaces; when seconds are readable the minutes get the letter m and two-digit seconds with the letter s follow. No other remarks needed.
5h25m56s
